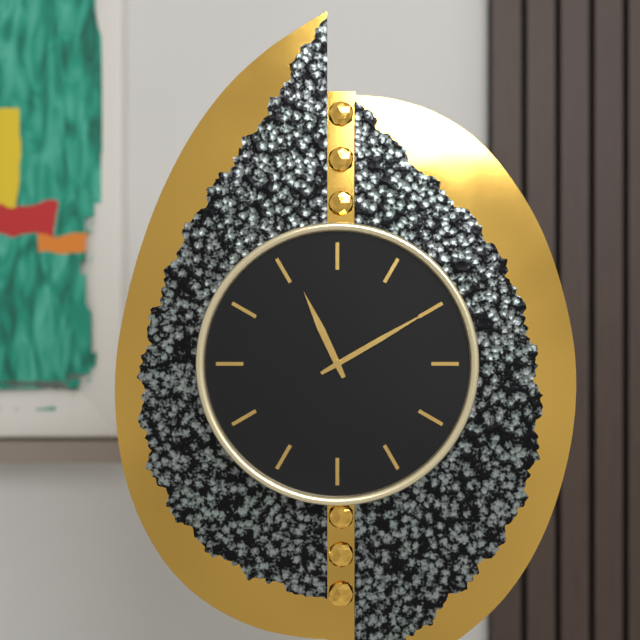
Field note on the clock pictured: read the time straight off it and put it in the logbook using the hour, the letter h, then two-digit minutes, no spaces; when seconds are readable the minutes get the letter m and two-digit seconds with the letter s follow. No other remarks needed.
11h10
